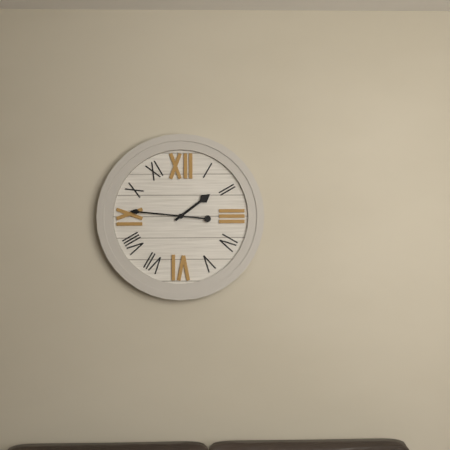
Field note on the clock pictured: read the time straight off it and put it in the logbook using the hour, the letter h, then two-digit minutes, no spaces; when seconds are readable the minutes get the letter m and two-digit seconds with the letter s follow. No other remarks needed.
1h46
